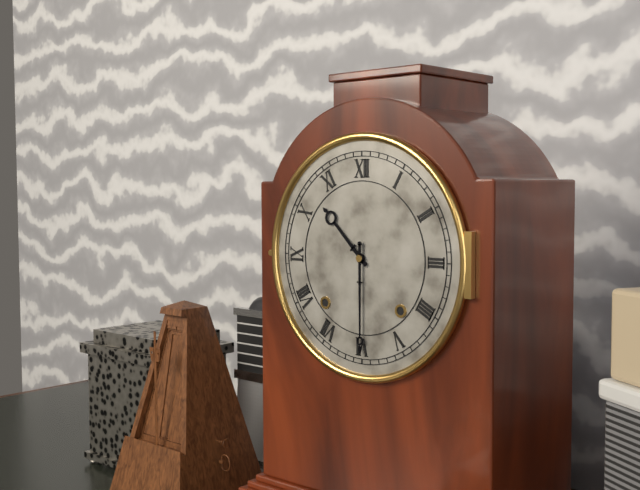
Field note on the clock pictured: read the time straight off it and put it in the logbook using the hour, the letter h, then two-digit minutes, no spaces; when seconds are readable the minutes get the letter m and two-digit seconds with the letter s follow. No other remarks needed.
10h30
